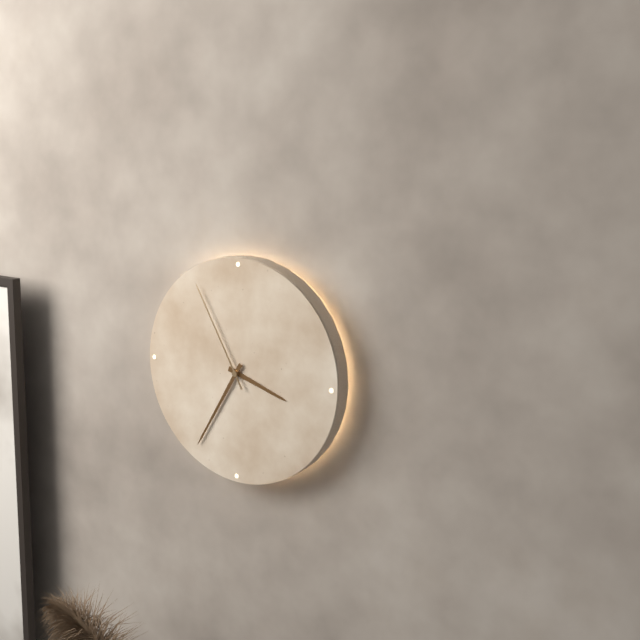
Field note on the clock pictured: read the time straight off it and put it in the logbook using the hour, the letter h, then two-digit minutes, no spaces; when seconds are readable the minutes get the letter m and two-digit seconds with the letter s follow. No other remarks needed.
3h35m55s
